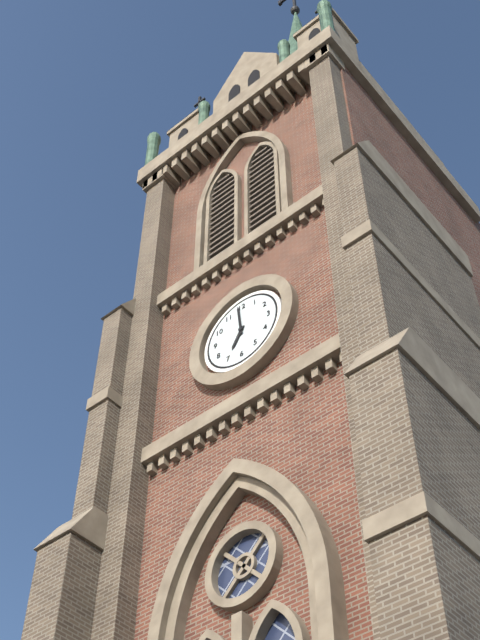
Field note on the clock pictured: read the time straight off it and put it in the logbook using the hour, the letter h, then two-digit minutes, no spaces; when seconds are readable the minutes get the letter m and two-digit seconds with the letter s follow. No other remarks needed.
6h59
